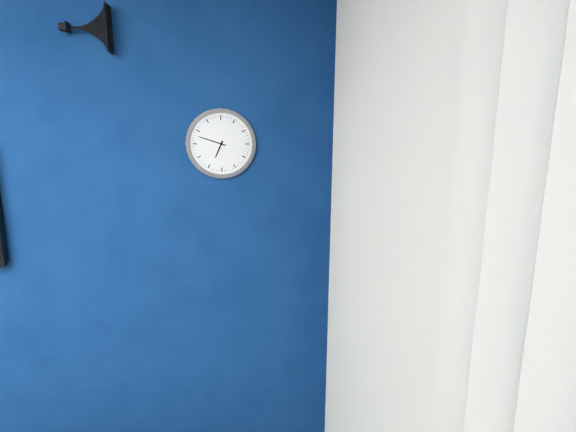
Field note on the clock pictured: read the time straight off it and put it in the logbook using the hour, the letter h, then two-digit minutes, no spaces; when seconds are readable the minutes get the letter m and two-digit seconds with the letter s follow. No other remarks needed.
6h48
